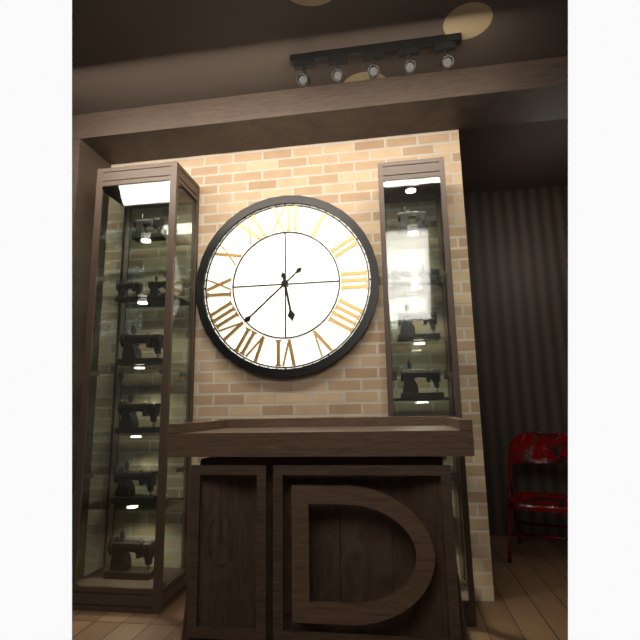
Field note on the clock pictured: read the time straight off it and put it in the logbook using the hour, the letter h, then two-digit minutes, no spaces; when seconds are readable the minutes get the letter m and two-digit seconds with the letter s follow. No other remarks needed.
5h38
